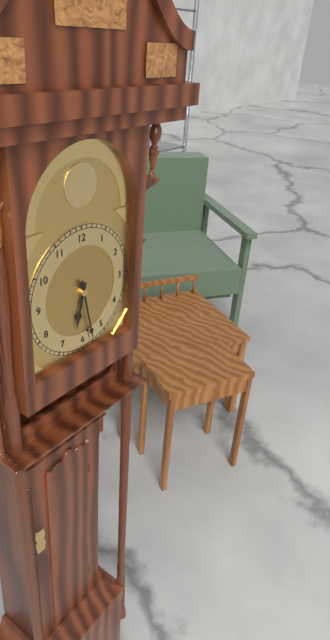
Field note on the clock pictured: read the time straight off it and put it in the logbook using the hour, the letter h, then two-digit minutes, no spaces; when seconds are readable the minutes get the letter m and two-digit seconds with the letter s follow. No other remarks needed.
6h28
